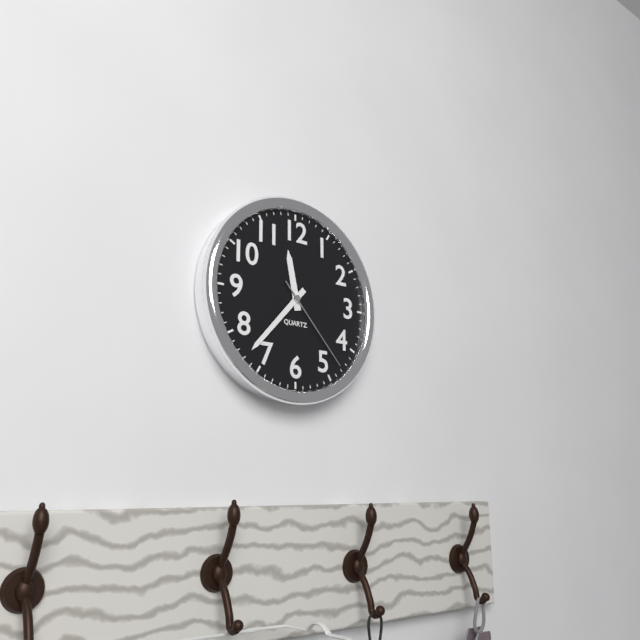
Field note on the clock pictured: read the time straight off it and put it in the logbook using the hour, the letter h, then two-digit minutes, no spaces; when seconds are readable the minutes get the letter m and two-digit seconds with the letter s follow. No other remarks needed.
11h37m23s
